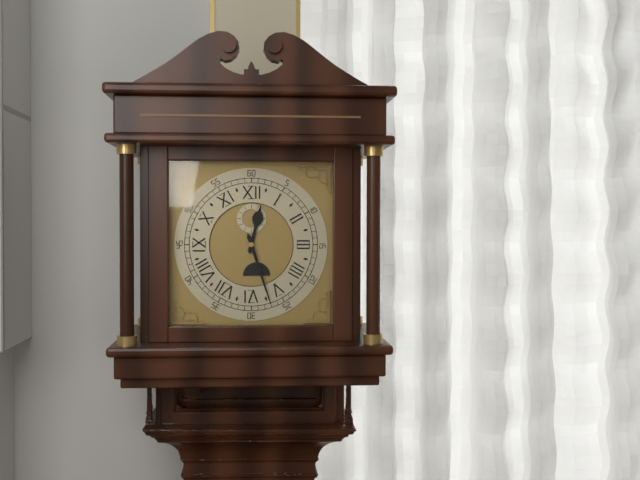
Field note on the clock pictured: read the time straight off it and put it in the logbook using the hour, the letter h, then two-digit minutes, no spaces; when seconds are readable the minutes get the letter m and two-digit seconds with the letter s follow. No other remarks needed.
12h27
